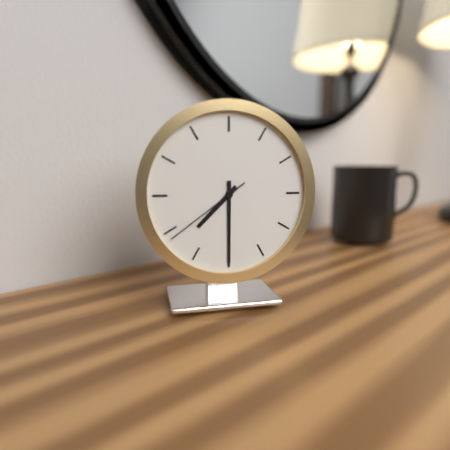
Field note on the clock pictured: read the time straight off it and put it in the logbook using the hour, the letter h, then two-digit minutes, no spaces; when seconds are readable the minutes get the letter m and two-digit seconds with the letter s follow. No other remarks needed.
7h30m39s
